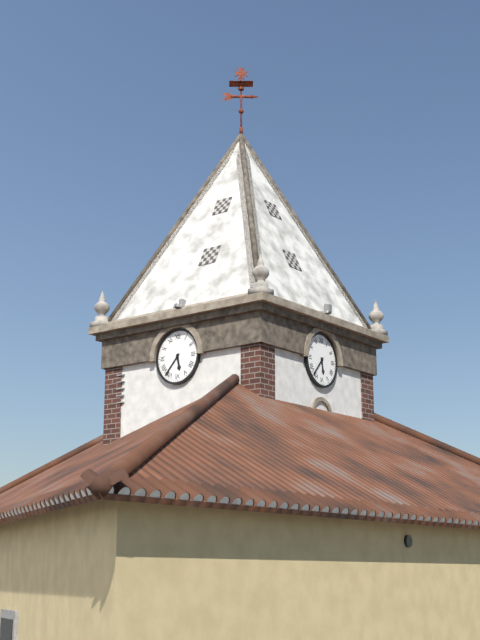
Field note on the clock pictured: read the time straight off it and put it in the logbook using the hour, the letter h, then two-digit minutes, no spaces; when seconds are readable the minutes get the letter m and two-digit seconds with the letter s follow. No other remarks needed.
5h37
